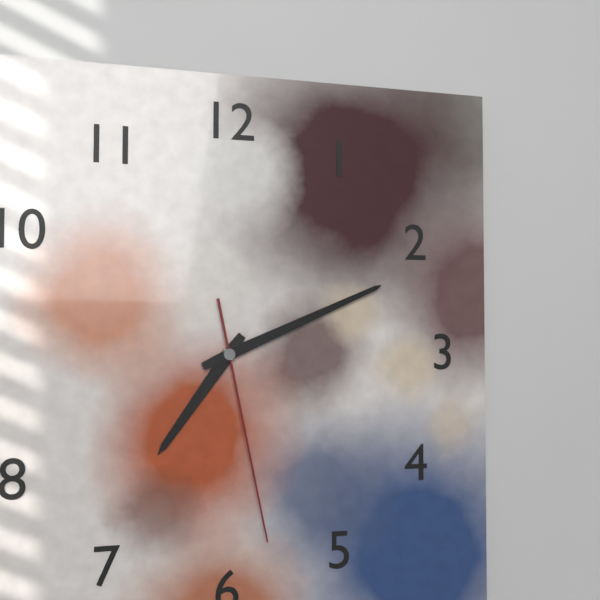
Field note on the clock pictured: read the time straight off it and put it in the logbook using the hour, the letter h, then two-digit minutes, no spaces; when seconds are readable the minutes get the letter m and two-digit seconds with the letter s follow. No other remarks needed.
7h11m28s
